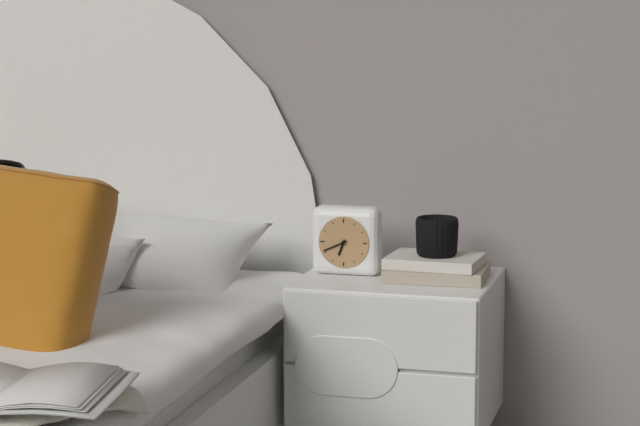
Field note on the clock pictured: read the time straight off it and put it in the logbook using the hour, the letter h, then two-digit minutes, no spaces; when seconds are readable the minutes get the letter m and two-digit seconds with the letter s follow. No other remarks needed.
6h41
